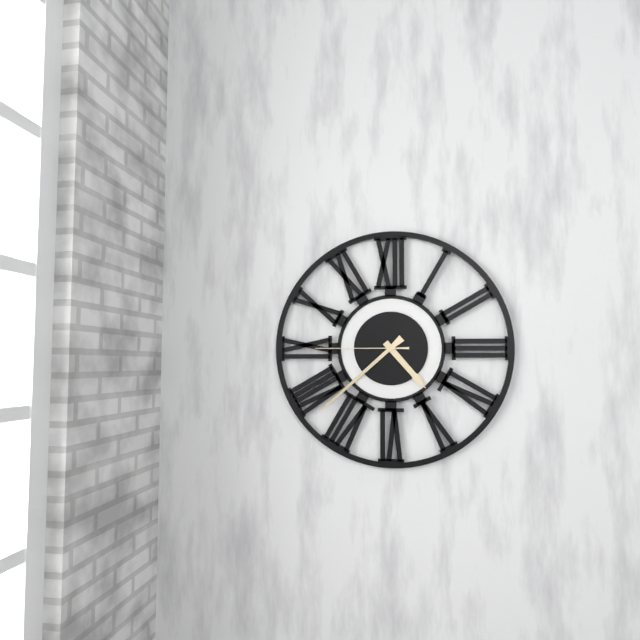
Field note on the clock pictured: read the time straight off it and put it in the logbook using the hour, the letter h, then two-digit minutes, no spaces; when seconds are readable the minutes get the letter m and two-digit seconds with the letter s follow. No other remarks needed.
4h38m45s
